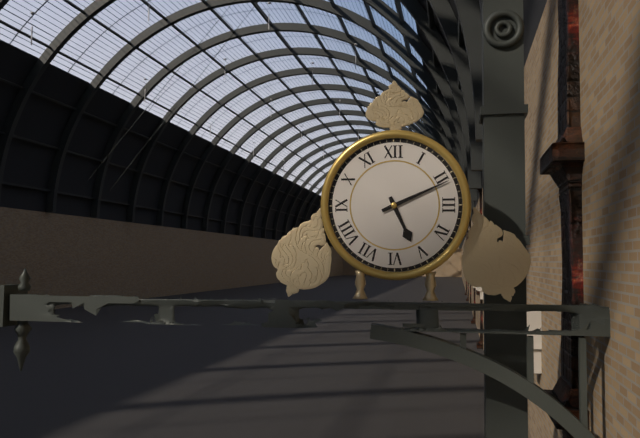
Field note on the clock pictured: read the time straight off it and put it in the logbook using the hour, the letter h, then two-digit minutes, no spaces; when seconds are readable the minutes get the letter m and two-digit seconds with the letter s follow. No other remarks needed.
5h11
